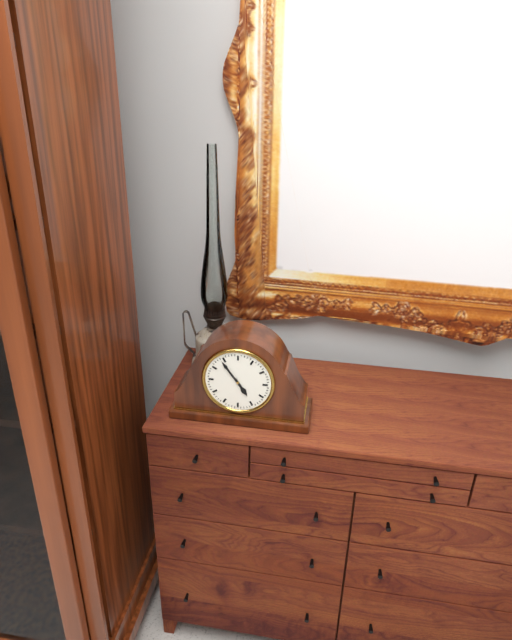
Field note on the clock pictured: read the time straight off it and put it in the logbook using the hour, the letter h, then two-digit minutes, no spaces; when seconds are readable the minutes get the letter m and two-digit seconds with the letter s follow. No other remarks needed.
4h54
